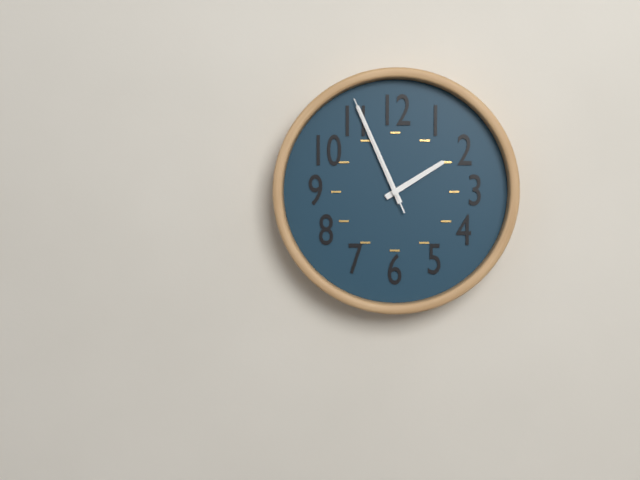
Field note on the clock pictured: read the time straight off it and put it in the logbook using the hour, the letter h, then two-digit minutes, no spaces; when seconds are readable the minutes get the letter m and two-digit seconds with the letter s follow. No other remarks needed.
1h56m56s
